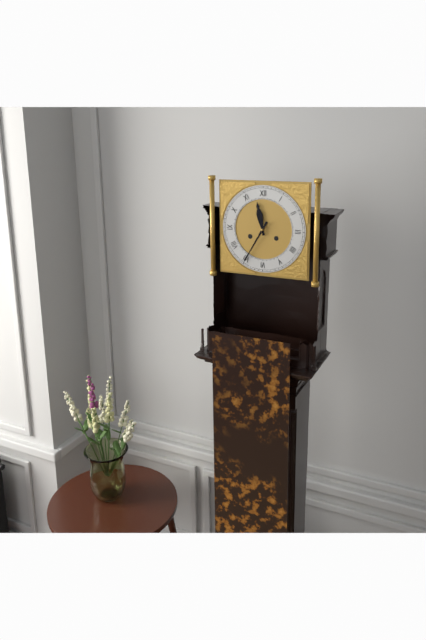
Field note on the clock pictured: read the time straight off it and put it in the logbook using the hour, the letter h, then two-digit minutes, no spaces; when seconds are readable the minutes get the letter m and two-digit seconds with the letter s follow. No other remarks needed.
11h35
